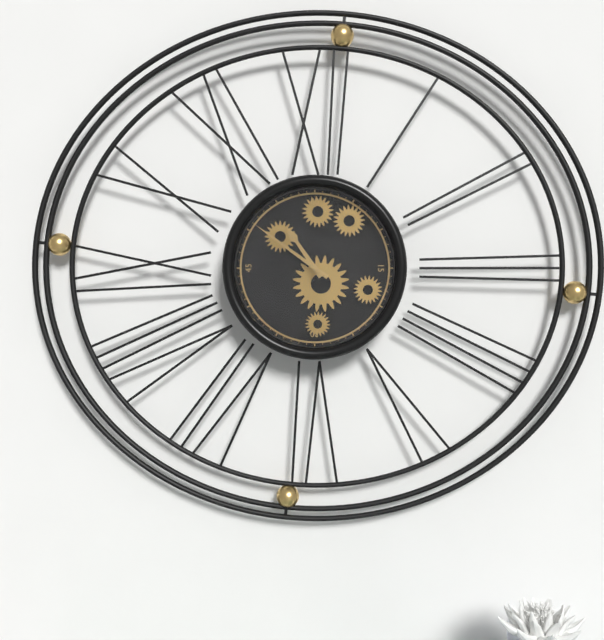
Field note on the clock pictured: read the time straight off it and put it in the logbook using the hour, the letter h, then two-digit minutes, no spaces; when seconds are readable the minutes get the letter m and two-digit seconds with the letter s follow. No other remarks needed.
10h51
